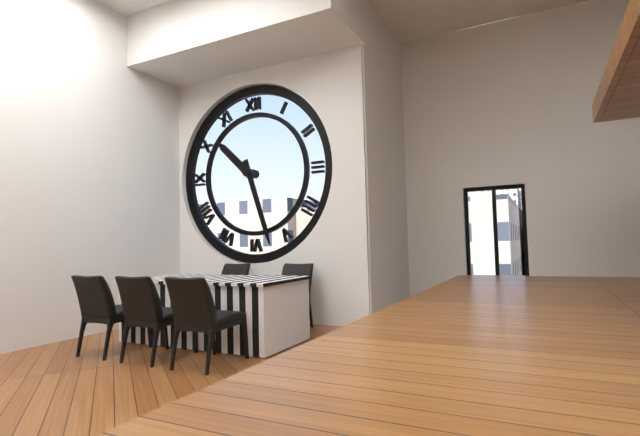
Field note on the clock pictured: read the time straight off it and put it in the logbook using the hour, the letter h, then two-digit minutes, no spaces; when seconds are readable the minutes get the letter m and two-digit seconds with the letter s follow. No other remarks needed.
10h27
